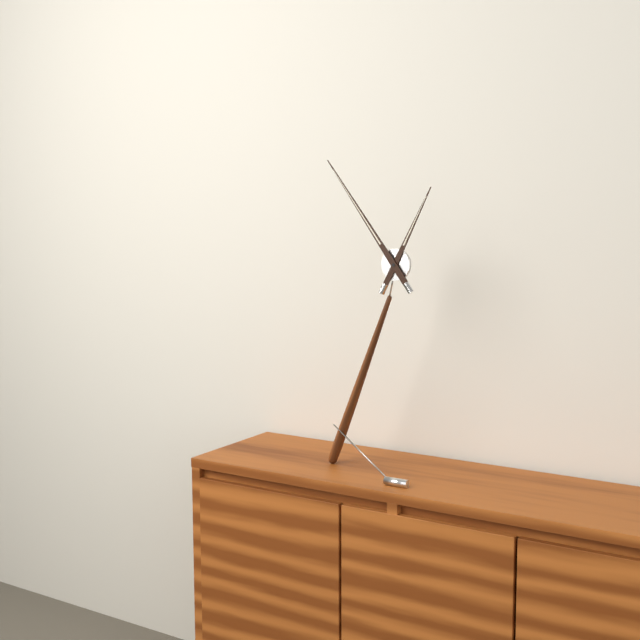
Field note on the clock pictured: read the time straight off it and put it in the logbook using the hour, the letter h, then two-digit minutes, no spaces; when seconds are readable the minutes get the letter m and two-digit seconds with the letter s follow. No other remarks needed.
12h54
